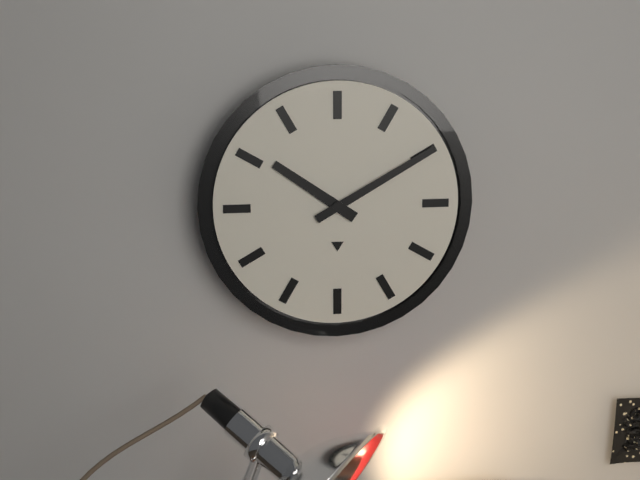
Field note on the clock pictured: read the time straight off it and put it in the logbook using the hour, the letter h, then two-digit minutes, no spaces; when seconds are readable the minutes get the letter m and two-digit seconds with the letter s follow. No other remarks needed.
10h10
